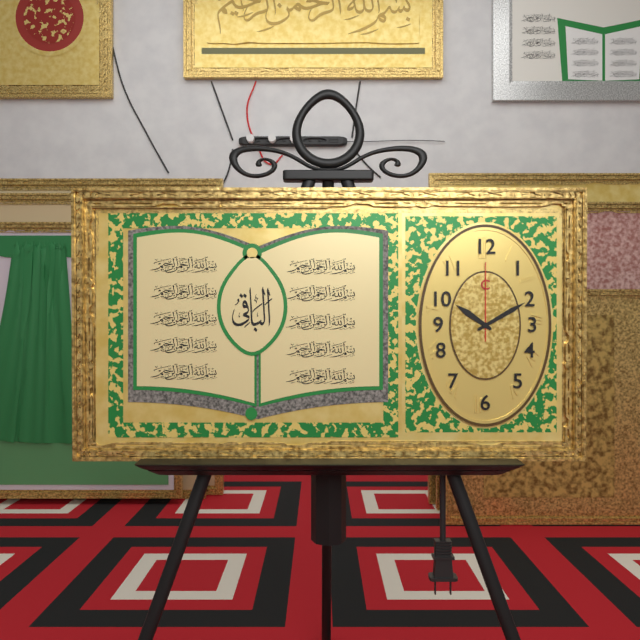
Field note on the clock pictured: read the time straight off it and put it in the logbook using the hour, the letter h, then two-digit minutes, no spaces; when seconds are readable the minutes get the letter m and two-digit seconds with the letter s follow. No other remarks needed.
10h10m00s
